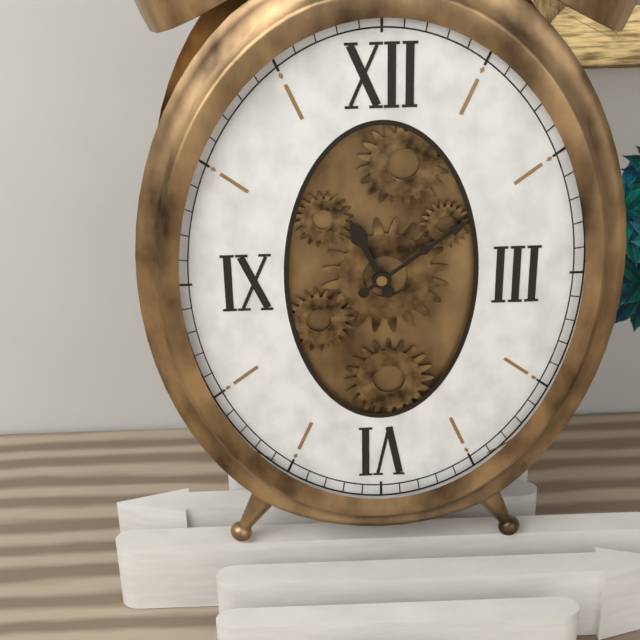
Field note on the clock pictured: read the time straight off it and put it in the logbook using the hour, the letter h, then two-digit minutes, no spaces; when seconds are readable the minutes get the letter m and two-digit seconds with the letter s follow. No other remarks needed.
11h09
